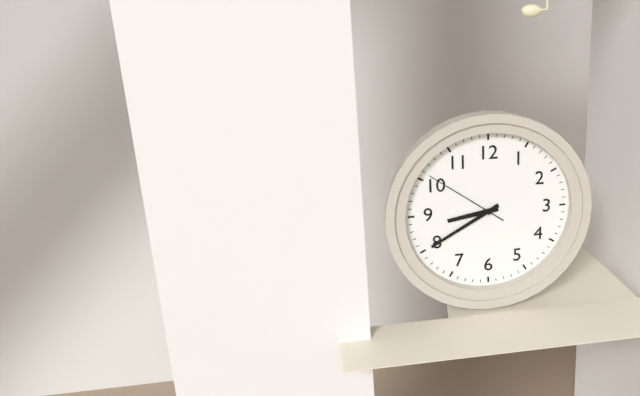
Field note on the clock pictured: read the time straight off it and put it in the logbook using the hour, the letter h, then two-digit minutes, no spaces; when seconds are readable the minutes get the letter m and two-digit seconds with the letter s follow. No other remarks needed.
8h40m51s
